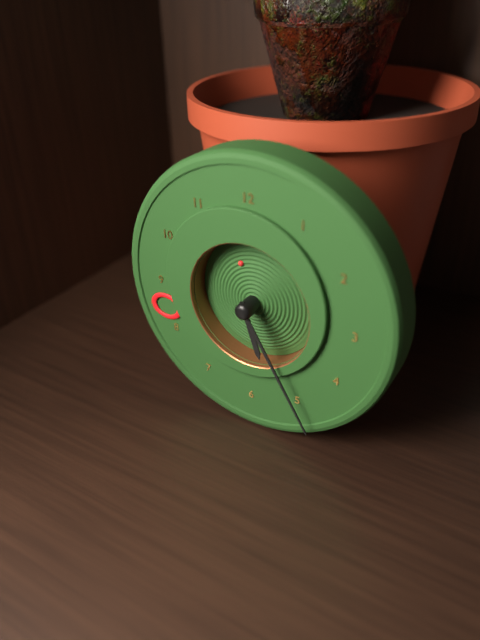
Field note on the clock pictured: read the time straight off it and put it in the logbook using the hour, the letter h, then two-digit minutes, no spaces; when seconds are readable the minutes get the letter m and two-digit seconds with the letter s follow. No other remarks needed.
5h25m56s
